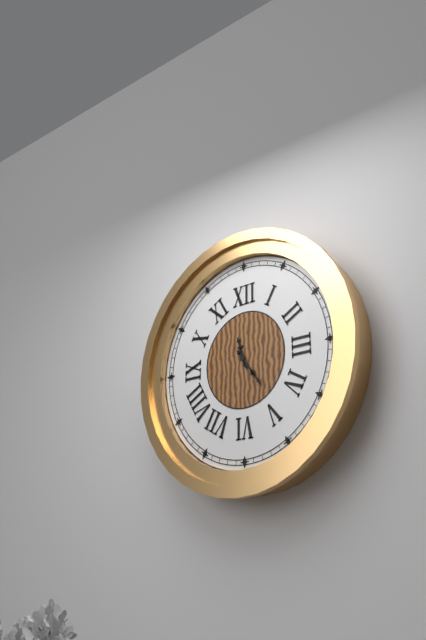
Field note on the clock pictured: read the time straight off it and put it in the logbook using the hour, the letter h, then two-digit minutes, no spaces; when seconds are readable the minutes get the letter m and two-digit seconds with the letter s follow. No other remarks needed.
11h24
